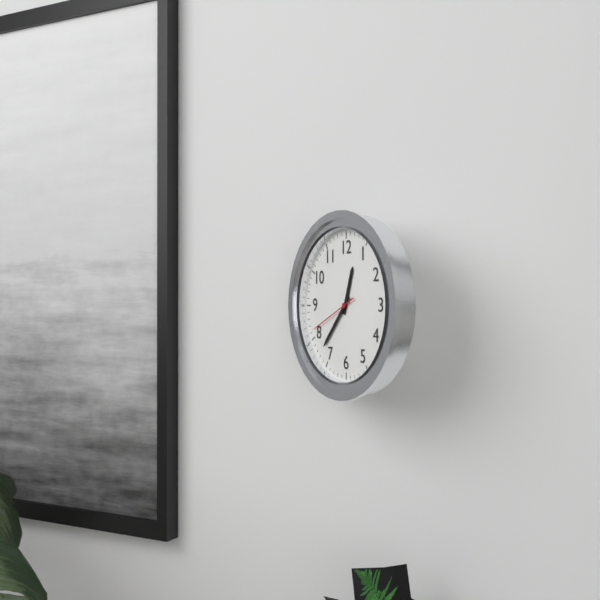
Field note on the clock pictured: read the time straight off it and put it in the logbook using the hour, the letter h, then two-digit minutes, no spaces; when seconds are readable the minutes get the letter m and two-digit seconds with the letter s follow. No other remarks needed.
12h37m41s
